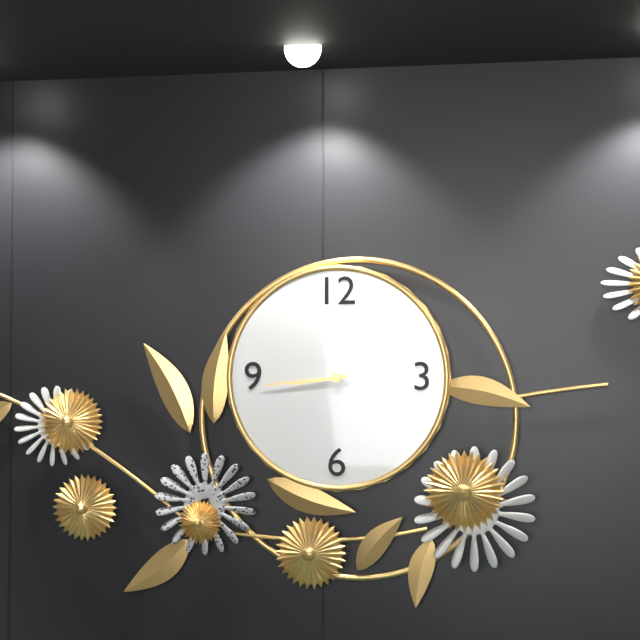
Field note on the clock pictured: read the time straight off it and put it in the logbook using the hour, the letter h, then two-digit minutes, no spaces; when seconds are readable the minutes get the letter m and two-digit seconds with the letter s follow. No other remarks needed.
8h44
